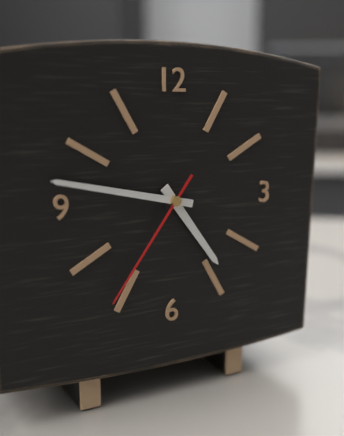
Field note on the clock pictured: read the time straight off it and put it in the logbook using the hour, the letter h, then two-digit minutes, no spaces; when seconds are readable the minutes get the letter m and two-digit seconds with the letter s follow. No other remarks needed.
4h47m36s
